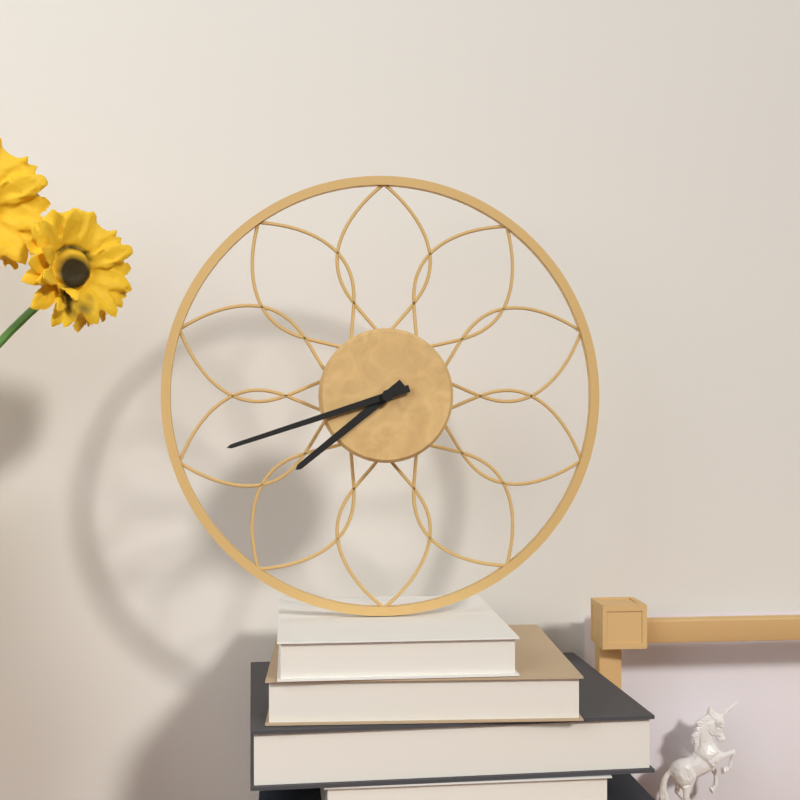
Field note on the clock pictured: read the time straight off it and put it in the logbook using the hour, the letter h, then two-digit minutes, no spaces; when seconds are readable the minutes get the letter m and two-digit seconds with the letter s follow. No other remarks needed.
7h42
